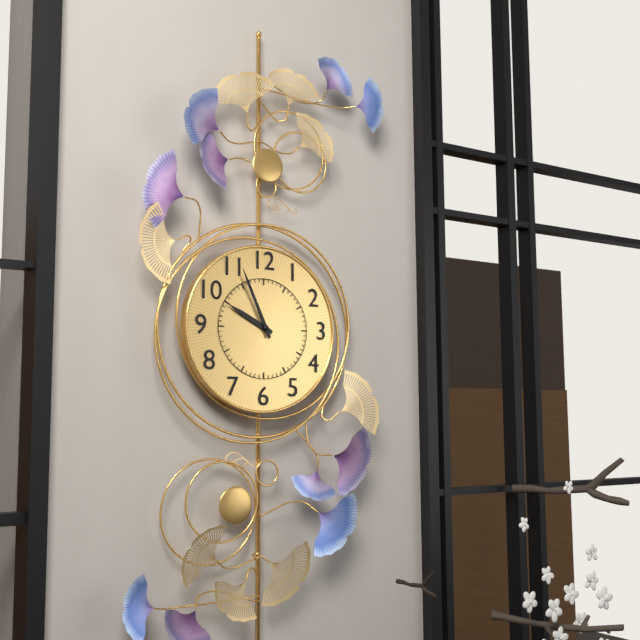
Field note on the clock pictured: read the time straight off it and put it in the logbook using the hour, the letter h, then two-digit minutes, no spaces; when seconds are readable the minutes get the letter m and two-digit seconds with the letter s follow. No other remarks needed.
9h56
